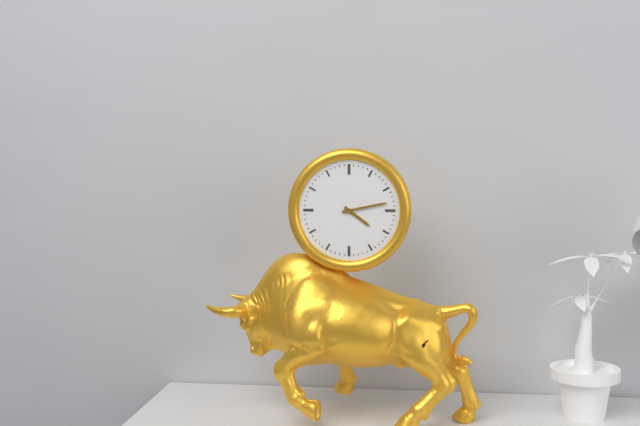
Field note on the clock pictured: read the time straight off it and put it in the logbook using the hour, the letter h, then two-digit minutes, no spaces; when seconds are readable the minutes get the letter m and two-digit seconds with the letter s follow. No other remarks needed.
4h13
